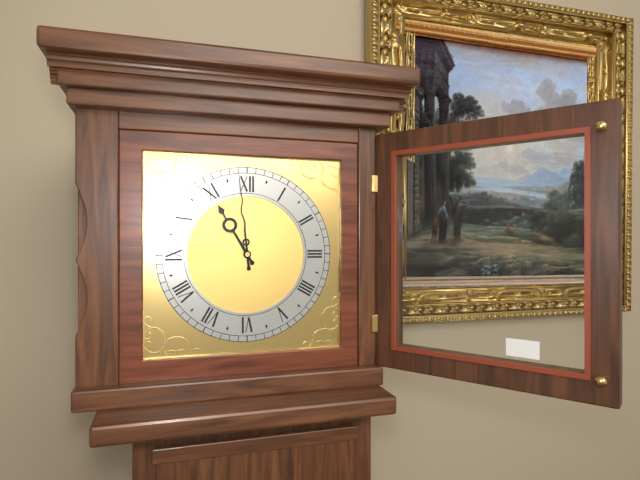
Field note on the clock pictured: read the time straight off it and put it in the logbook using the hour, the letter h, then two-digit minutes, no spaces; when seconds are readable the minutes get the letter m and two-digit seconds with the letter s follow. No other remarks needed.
10h59
